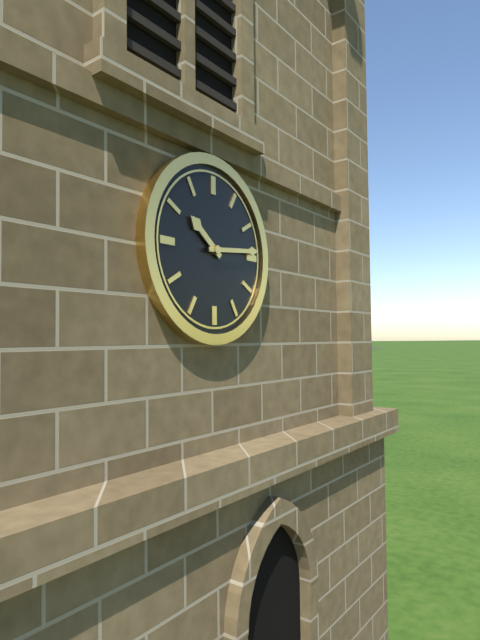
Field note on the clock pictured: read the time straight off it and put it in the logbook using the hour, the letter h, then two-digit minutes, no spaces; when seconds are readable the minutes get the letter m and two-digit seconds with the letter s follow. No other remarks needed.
10h14
